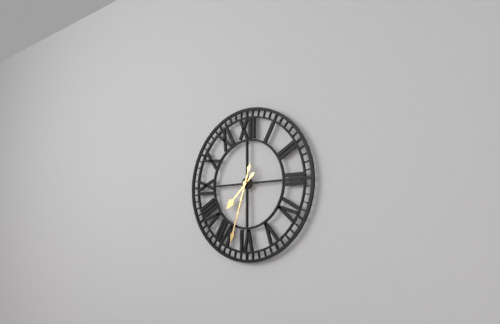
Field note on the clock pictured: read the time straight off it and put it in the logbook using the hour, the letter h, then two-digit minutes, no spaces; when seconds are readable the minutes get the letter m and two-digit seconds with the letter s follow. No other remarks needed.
7h33
